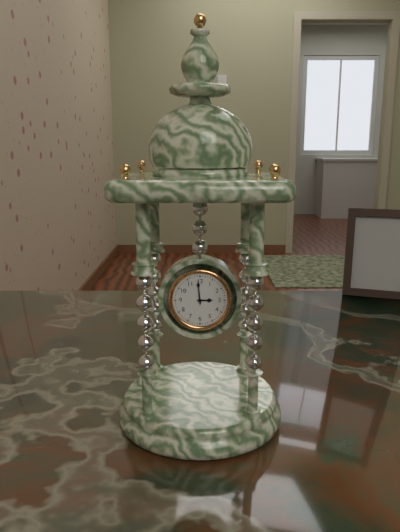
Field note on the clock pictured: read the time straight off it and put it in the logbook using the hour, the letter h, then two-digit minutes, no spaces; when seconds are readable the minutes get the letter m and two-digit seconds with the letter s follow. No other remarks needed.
2h59
